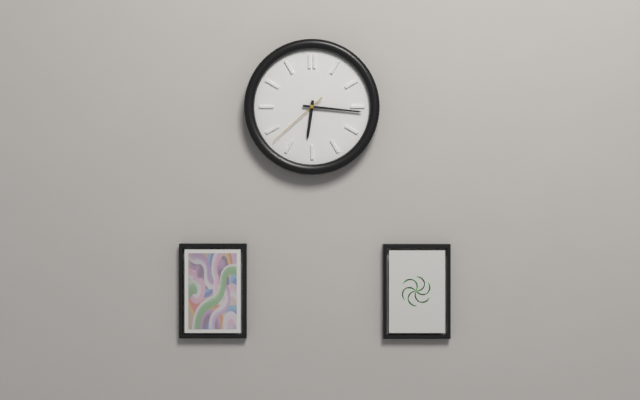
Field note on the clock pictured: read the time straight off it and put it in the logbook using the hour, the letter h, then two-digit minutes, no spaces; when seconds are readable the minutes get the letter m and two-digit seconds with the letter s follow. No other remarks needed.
6h16m38s
